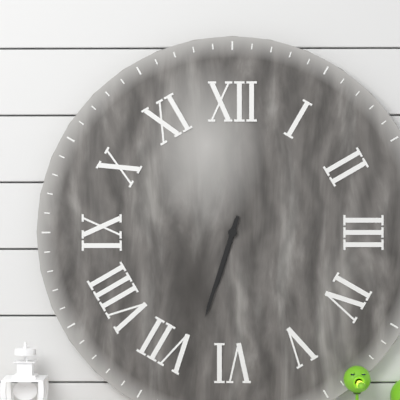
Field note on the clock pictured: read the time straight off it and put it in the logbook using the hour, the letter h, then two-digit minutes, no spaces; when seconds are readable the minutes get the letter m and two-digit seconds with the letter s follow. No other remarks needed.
6h33
